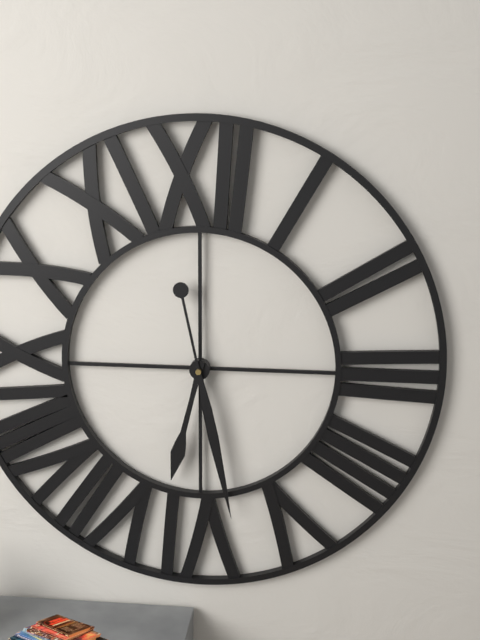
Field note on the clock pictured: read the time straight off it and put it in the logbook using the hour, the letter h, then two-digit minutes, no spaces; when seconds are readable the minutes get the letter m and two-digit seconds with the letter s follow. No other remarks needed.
6h28
